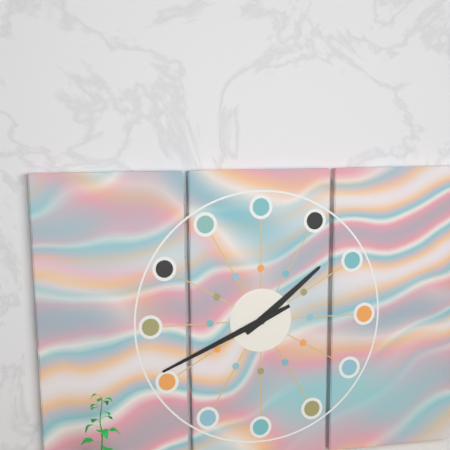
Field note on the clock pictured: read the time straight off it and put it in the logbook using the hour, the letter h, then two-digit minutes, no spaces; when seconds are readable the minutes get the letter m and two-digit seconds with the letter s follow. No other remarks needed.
1h41
